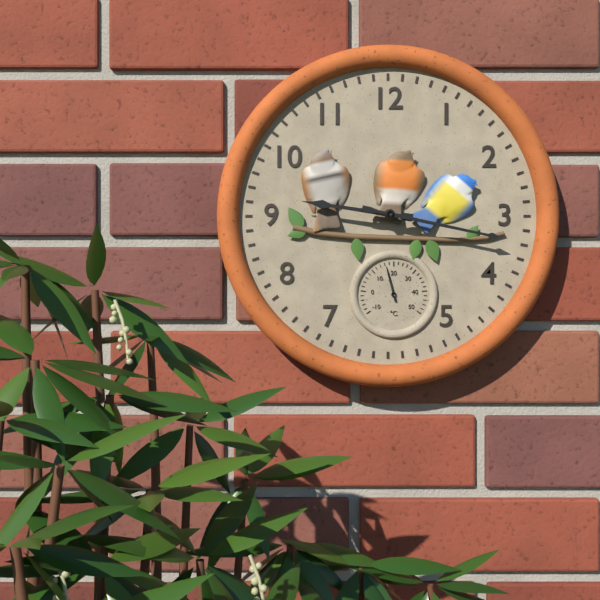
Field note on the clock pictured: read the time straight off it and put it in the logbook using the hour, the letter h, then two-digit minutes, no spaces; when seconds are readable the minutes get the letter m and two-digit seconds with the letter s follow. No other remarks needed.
9h17
